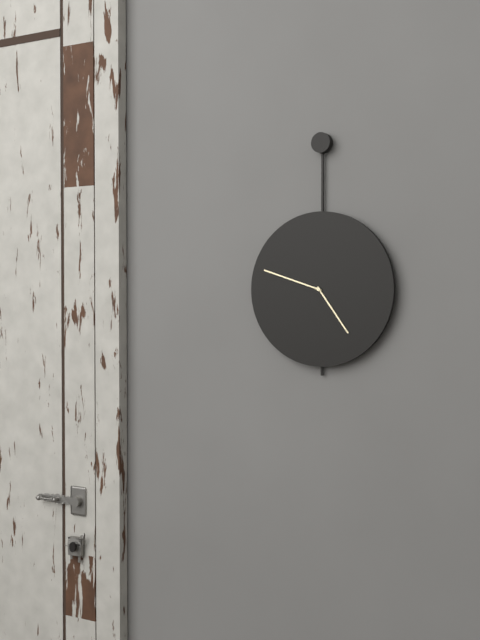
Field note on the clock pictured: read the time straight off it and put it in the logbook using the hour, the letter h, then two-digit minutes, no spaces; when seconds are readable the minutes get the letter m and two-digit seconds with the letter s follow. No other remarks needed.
4h48
